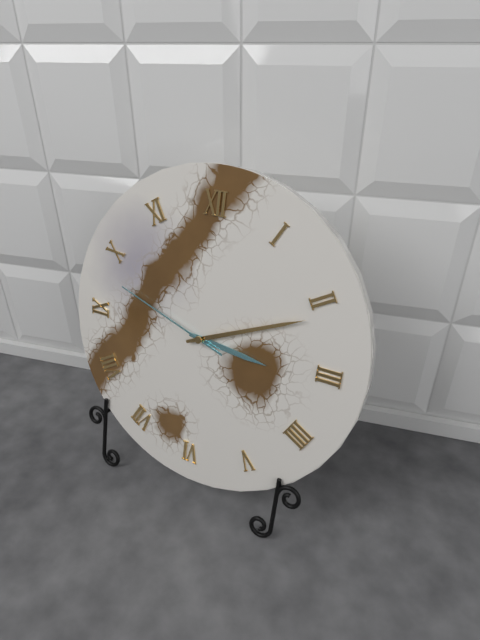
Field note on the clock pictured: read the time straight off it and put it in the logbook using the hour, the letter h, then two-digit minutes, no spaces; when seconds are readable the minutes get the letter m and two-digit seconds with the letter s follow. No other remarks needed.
3h11m48s
